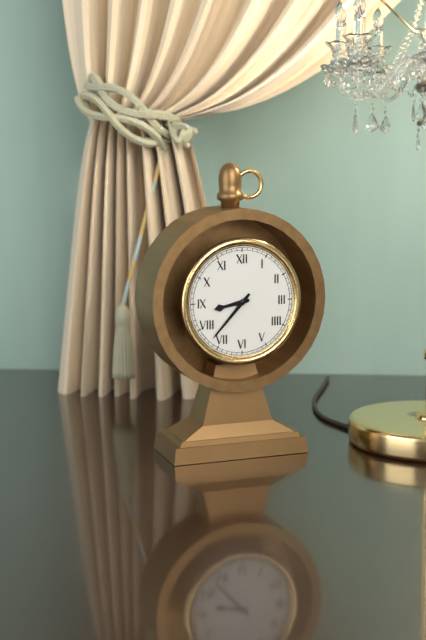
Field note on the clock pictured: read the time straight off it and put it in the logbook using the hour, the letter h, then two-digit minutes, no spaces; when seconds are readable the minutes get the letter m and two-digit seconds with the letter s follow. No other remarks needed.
8h37
